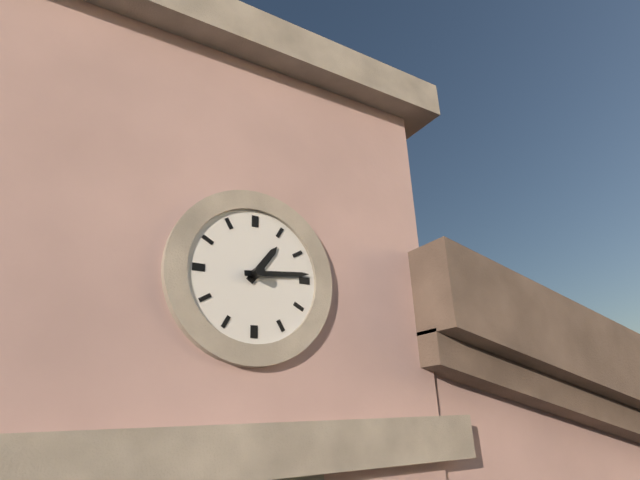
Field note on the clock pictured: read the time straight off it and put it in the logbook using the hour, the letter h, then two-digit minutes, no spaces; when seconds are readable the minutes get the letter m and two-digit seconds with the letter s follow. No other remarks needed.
1h14
